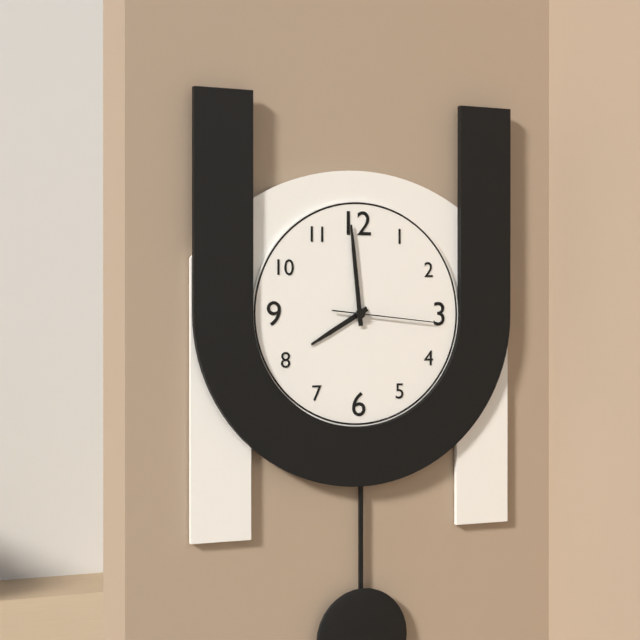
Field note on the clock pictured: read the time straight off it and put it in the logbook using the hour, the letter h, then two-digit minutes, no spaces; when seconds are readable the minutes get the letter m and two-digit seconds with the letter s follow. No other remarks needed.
7h59m16s
